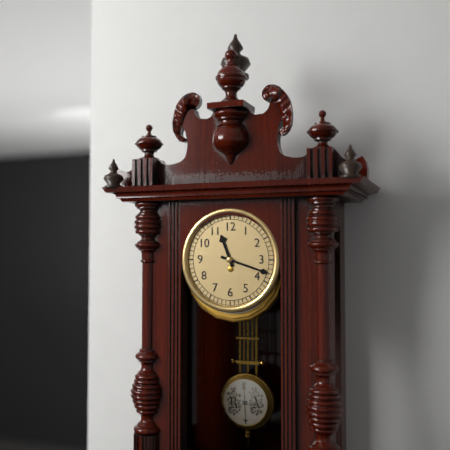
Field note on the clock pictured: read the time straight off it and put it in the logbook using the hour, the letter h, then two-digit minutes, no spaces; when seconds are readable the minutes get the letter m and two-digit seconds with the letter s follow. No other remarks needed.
11h18
